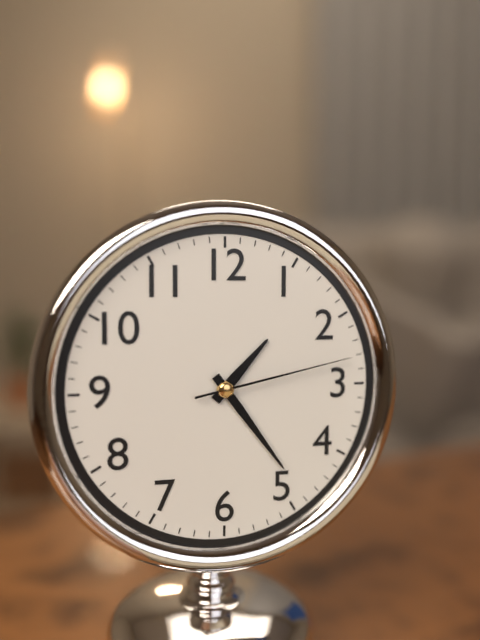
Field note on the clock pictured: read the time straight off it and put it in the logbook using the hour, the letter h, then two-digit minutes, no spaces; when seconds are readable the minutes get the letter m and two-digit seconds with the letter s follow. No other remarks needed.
1h24m13s
